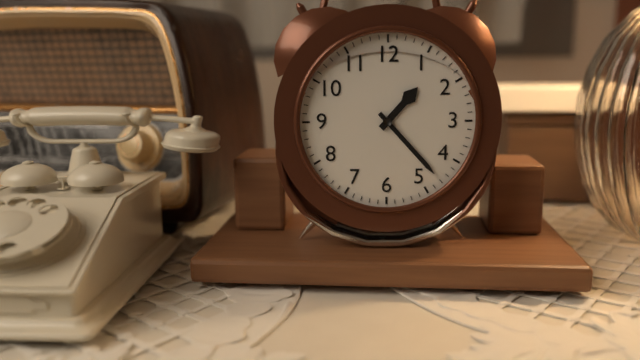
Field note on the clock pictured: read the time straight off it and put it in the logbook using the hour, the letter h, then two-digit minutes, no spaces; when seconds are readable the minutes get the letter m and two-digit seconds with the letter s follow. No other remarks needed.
1h23
